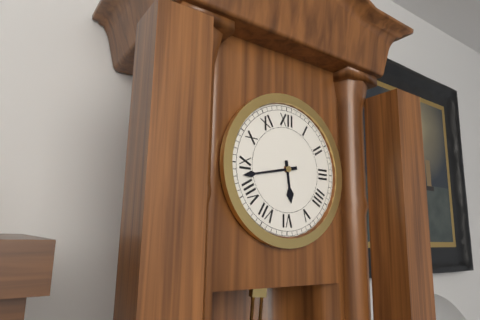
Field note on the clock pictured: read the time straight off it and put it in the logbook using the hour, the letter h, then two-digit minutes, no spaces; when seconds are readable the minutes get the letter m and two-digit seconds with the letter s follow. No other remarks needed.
5h43
